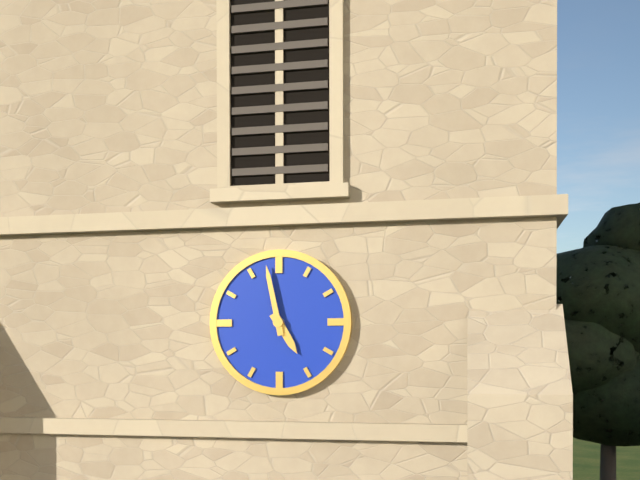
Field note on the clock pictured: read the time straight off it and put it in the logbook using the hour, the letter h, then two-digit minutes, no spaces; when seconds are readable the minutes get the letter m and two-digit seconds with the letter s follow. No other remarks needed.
4h58
